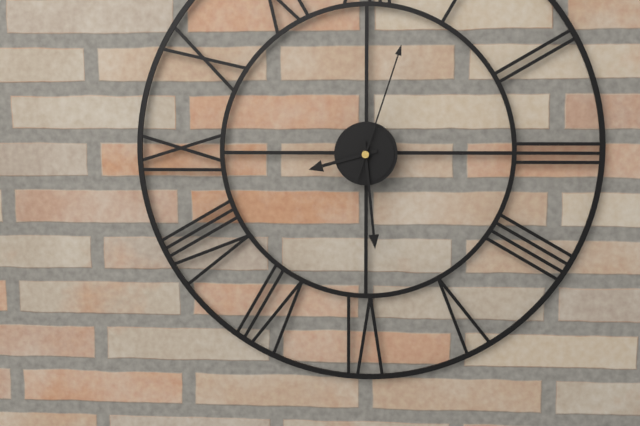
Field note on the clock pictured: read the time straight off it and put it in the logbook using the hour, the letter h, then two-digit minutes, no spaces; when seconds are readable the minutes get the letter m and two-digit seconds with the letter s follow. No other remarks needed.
8h29m03s
